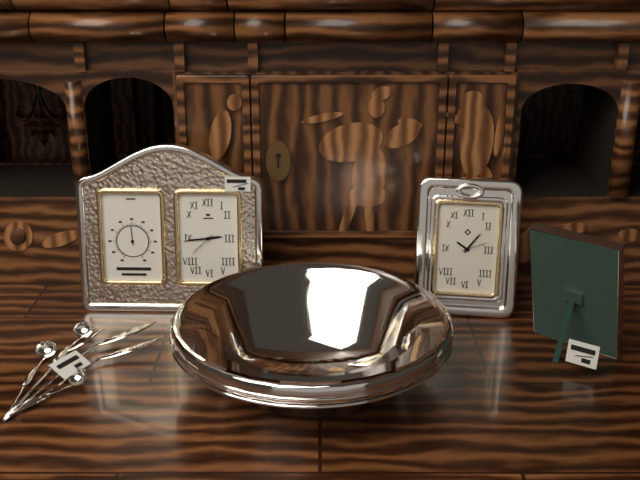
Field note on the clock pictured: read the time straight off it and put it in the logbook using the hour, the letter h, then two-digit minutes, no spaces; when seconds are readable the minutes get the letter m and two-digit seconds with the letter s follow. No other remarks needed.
2h44
